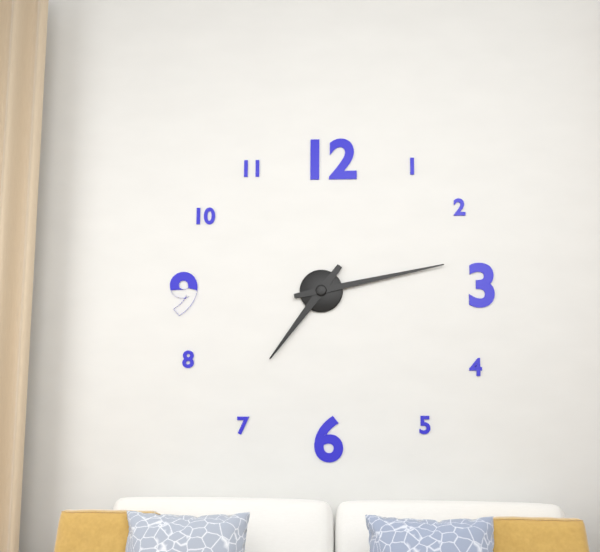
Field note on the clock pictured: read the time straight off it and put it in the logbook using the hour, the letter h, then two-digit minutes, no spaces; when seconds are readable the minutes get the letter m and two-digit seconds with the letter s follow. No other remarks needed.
7h13
